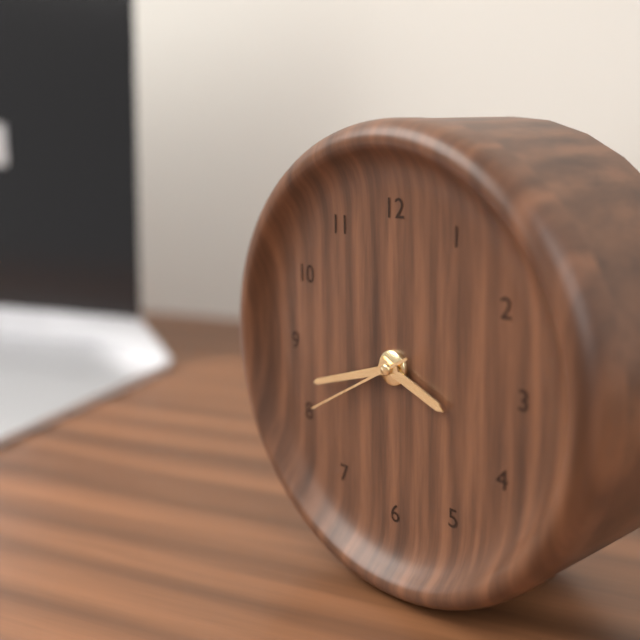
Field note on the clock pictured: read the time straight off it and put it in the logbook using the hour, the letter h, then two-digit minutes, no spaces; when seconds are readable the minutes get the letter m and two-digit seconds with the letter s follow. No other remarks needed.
3h42m40s
